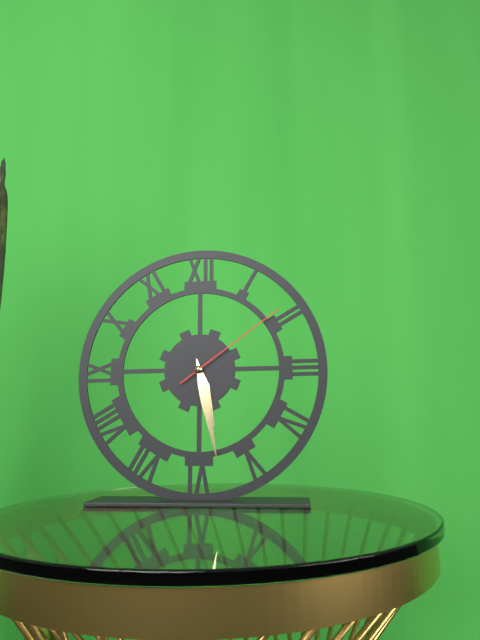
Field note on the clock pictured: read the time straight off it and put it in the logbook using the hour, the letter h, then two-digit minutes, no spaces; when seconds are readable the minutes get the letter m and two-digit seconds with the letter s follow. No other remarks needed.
5h28m09s
